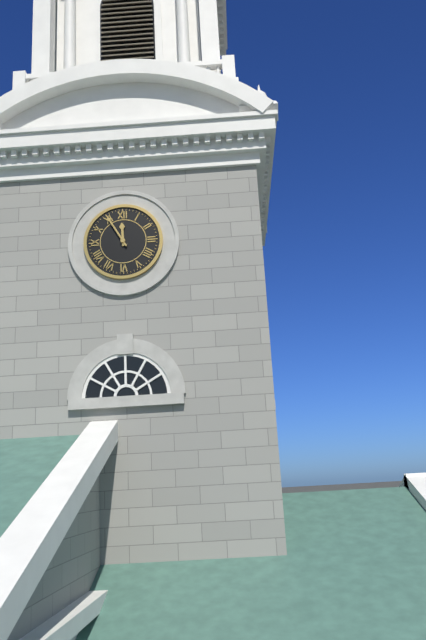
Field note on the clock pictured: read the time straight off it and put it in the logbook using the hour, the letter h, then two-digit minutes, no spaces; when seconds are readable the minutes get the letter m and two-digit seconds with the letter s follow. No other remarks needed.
11h55
